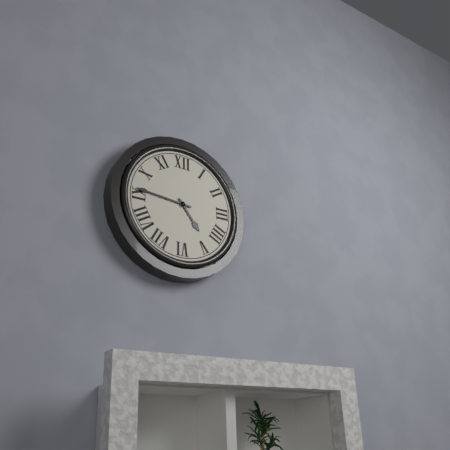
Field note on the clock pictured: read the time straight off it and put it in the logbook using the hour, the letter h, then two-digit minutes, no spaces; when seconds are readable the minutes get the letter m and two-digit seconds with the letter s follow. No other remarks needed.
4h46
